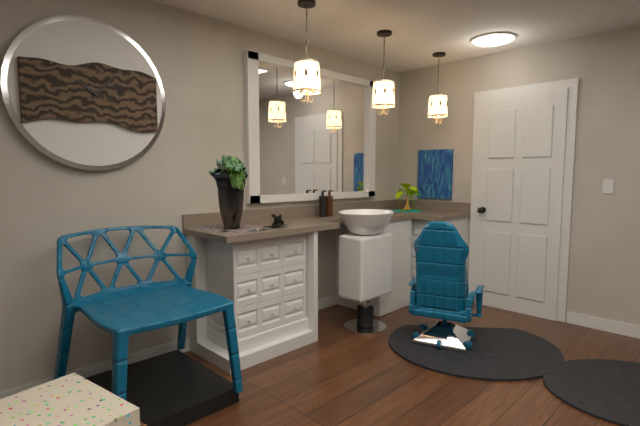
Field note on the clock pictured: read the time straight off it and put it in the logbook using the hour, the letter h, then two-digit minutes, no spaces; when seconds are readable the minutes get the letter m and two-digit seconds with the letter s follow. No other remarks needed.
10h07
